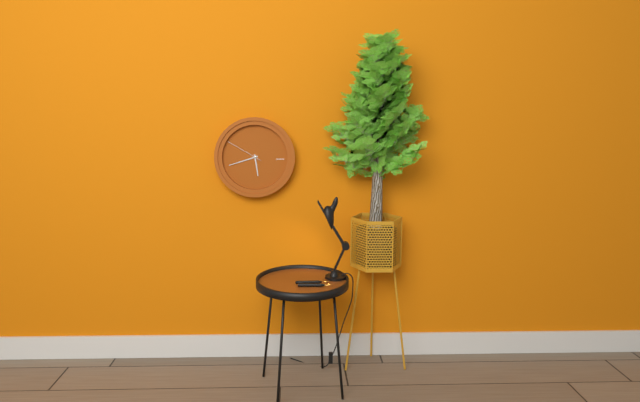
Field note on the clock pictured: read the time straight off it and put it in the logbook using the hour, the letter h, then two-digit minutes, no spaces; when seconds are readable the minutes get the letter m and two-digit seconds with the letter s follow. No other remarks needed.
5h42
